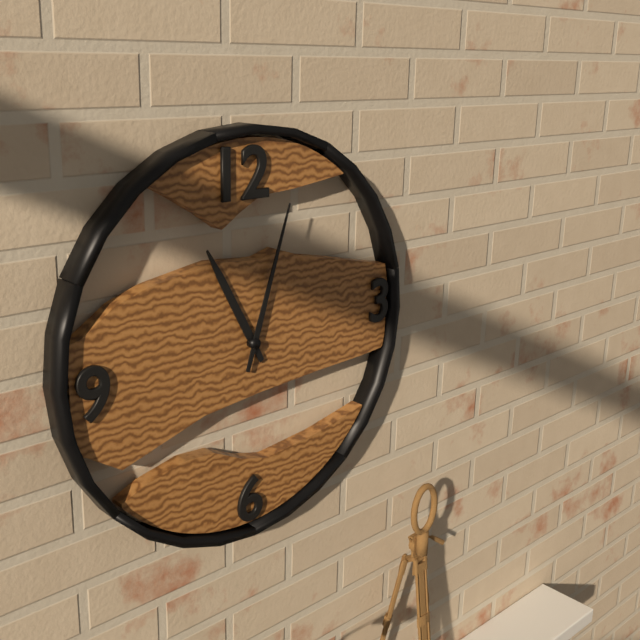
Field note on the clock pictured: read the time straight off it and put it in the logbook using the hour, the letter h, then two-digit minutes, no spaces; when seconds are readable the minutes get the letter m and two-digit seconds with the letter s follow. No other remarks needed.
11h03
